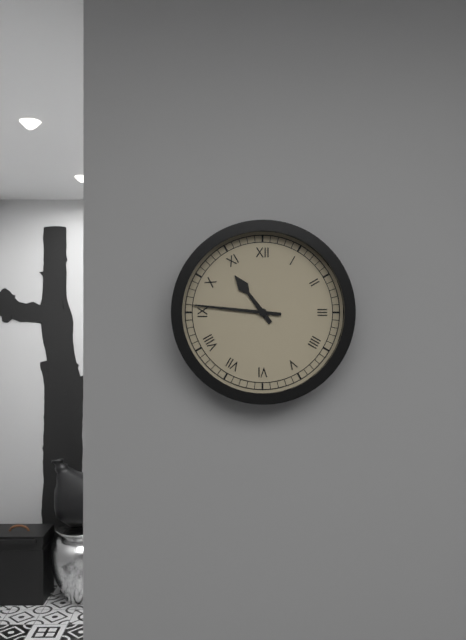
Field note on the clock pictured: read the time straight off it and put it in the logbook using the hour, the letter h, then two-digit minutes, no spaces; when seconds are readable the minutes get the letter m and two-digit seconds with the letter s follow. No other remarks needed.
10h46
